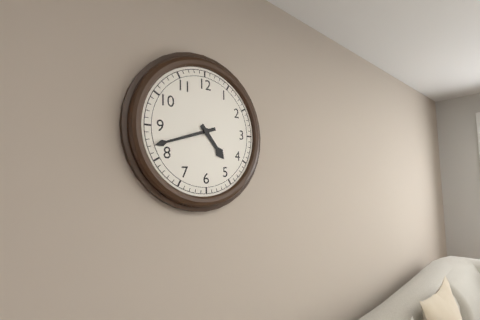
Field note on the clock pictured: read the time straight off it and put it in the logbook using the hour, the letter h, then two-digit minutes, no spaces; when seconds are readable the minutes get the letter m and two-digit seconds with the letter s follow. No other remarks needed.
4h42
